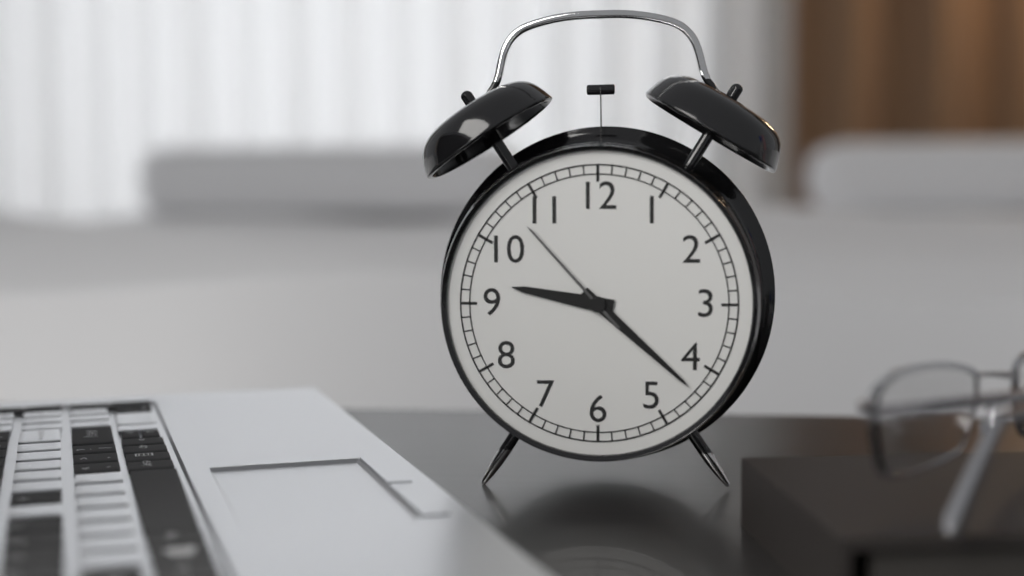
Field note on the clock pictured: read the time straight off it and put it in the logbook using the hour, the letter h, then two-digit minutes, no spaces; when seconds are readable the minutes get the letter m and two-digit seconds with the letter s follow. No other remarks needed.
9h22m53s
